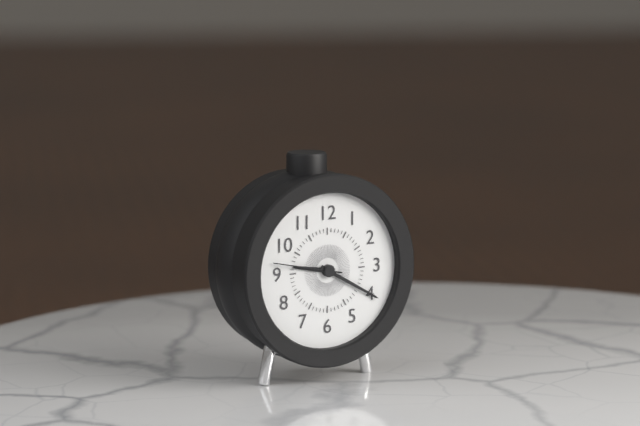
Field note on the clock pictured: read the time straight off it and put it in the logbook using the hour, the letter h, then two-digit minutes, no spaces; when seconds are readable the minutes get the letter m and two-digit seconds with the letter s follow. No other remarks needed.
9h20m47s
